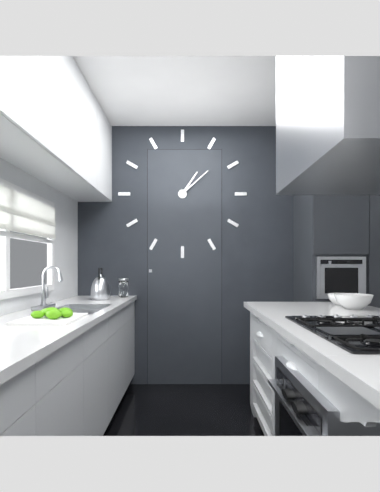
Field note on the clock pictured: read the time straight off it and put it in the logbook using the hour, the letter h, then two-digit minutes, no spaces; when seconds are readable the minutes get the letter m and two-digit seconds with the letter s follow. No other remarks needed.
1h08
